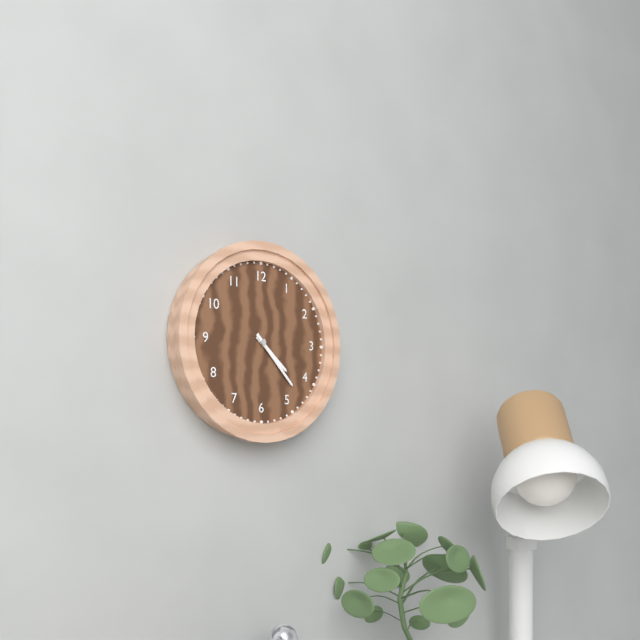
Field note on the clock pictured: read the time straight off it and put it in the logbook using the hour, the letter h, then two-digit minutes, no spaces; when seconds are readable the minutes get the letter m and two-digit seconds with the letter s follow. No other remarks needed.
4h23
